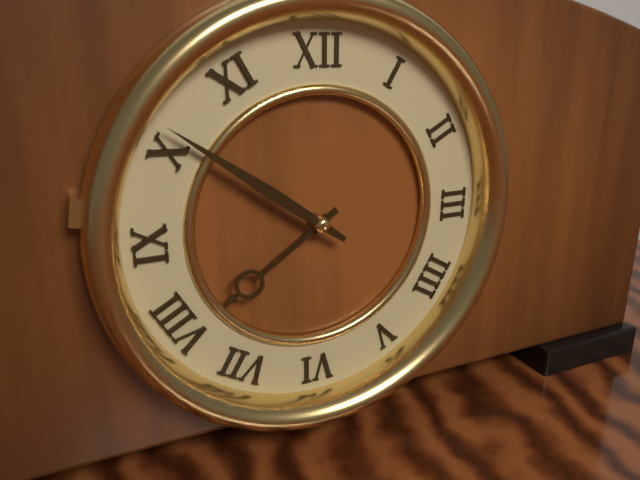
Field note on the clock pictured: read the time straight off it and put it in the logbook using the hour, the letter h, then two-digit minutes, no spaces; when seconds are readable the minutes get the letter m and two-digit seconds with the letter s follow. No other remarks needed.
7h51
